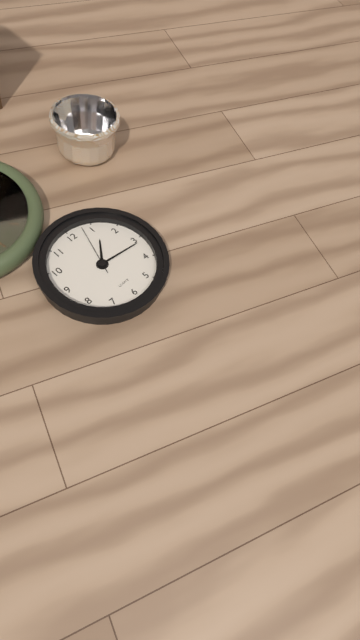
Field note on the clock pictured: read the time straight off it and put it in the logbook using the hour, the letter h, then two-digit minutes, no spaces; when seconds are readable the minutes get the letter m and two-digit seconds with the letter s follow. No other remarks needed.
1h16m03s
